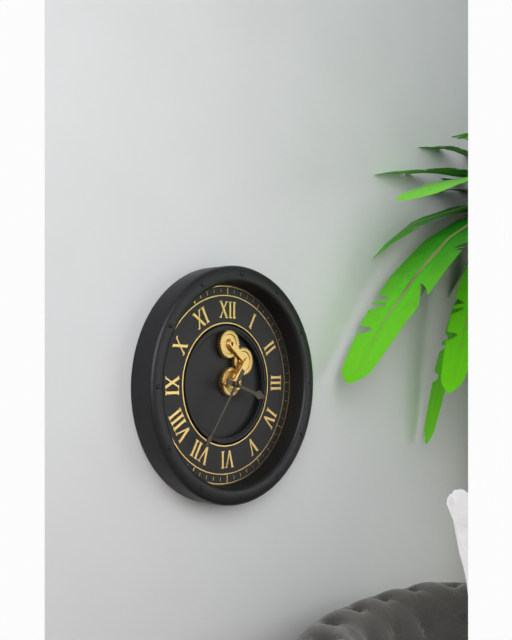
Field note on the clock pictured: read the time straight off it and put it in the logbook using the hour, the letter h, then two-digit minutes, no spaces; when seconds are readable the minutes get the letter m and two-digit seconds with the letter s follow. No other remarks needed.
3h36
